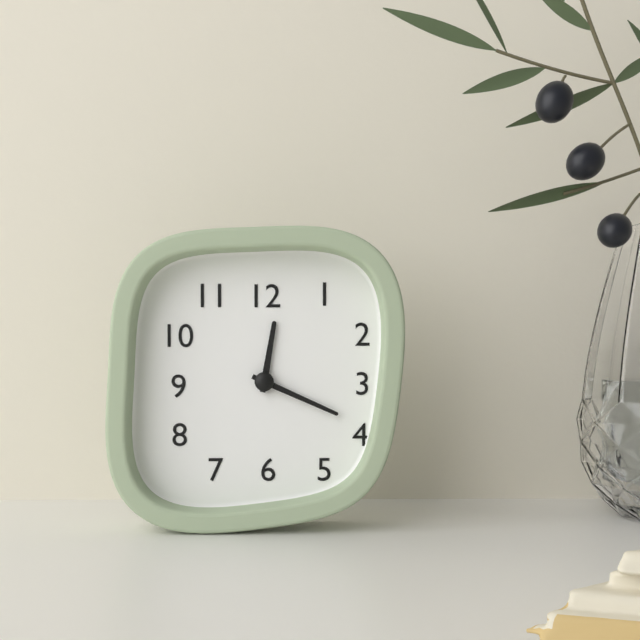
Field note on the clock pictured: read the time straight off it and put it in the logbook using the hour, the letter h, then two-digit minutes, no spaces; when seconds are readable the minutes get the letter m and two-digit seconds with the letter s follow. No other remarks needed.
12h19
